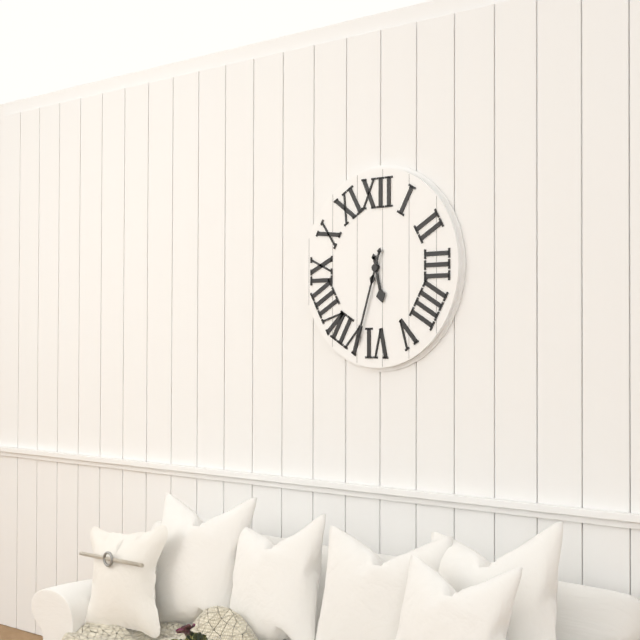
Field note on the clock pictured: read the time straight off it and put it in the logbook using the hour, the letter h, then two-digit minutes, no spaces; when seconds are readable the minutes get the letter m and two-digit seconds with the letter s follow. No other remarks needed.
5h33
